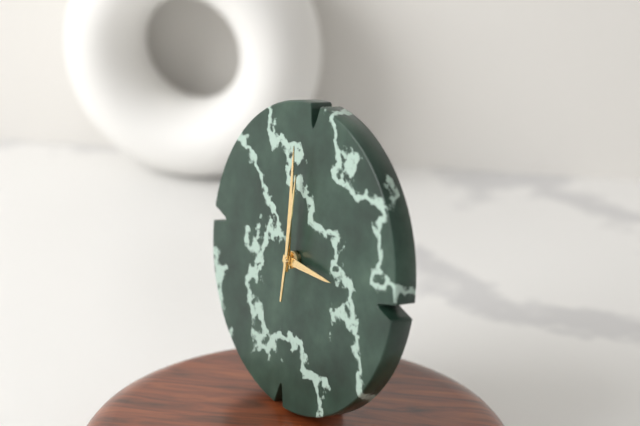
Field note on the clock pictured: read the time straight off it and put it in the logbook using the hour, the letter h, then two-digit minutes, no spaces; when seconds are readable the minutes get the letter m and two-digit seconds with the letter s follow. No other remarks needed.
2h59m00s
